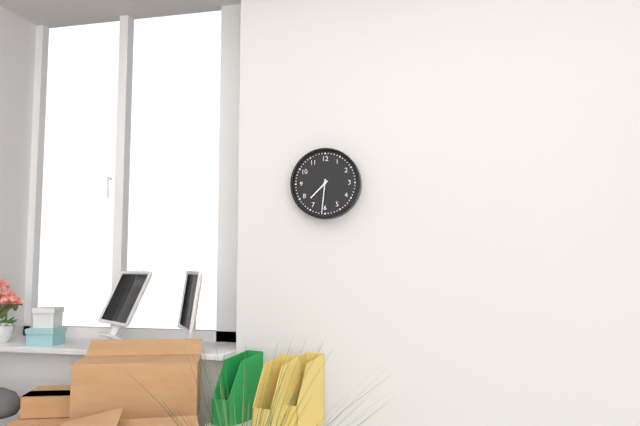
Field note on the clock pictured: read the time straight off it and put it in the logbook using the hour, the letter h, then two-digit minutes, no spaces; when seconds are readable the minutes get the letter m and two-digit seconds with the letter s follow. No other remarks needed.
7h31
